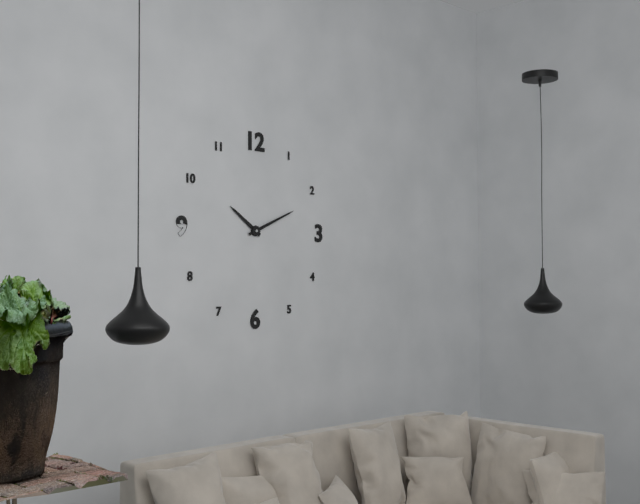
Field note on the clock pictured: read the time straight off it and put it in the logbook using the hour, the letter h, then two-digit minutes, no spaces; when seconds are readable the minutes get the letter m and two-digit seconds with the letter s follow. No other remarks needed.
10h11
